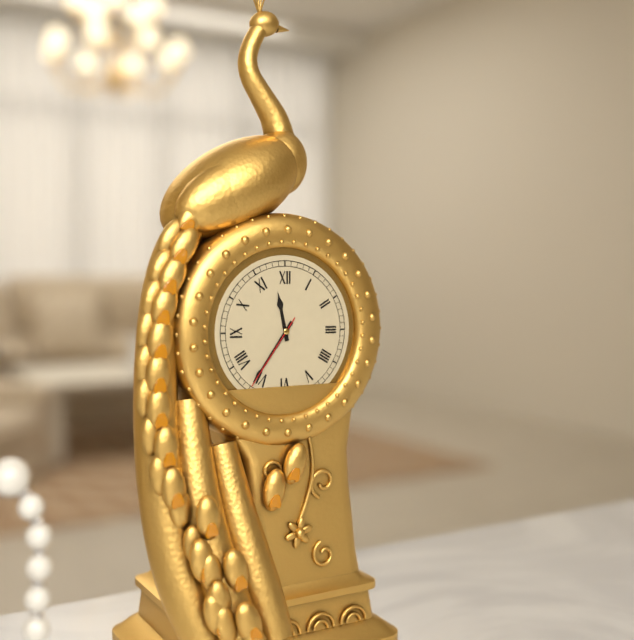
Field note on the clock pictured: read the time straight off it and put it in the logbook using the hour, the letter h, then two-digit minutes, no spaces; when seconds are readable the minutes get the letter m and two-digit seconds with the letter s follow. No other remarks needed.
11h36m36s
